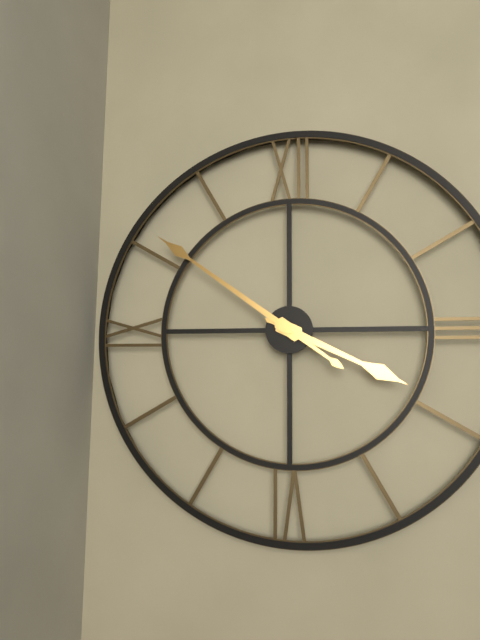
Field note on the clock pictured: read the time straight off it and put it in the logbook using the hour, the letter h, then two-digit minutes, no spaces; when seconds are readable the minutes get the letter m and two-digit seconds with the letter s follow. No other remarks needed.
3h51
